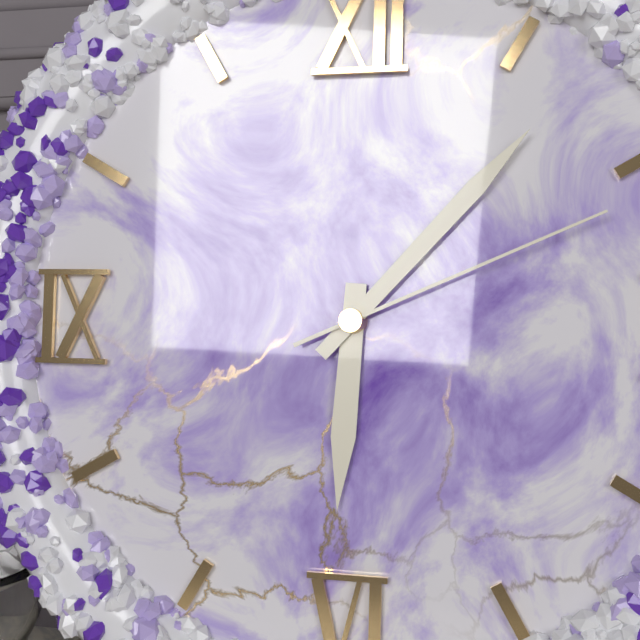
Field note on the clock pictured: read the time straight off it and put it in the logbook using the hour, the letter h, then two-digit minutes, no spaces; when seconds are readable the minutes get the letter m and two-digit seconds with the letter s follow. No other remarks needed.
6h07m11s
